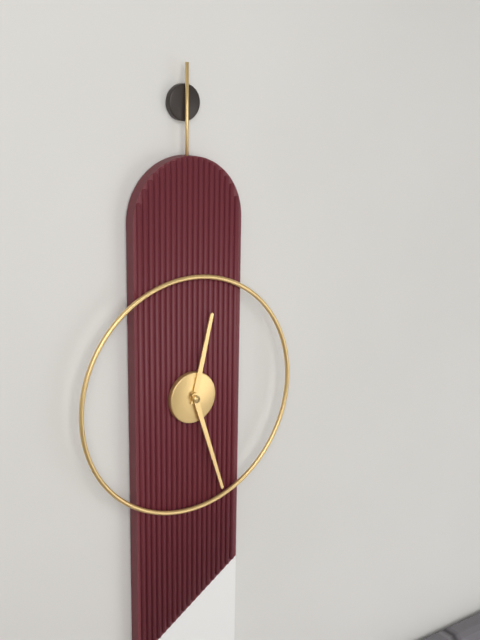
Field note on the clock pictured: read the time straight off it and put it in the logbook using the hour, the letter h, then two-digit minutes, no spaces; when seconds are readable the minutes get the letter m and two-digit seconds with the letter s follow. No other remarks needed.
12h27
